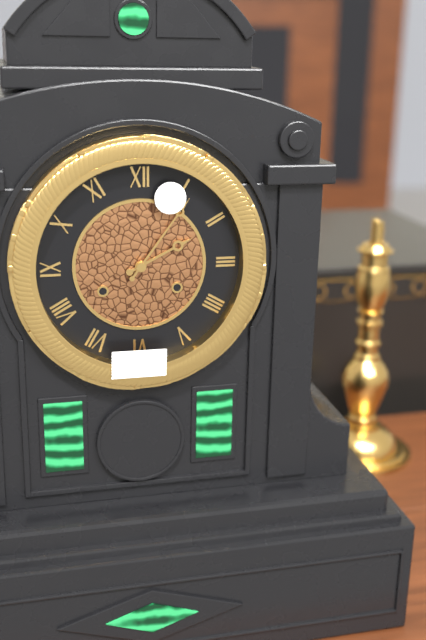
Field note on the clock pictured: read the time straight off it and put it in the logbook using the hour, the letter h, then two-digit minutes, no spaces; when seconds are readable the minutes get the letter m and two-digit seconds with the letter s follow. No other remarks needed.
2h06
